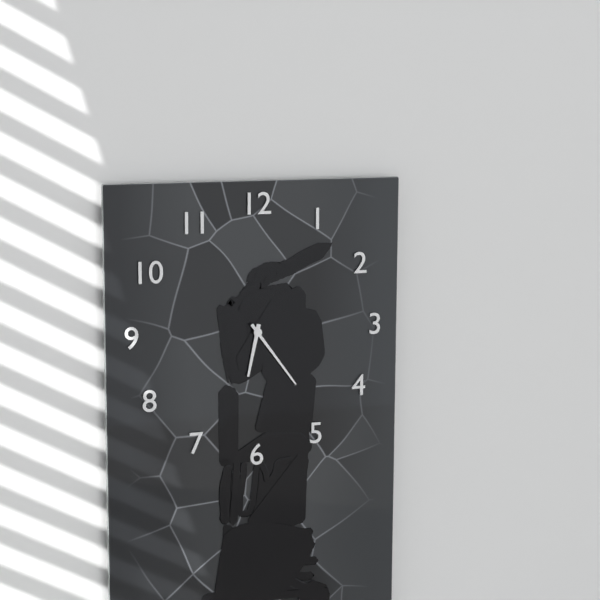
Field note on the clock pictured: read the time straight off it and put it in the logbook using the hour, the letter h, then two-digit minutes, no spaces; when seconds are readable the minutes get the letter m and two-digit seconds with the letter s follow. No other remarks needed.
6h24
